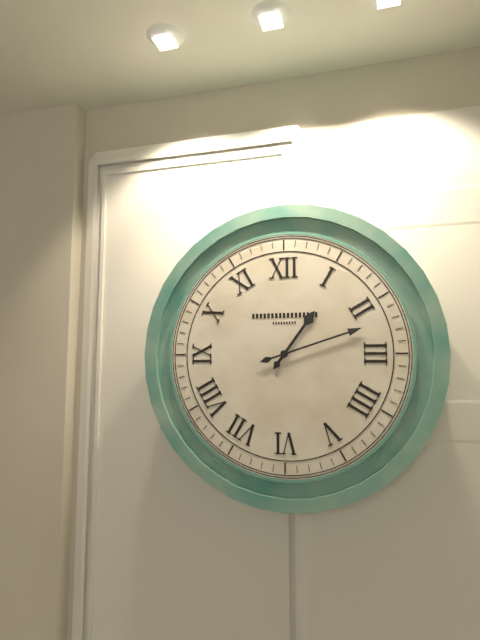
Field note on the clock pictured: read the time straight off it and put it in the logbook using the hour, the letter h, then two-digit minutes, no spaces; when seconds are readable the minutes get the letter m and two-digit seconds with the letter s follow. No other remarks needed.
1h12
